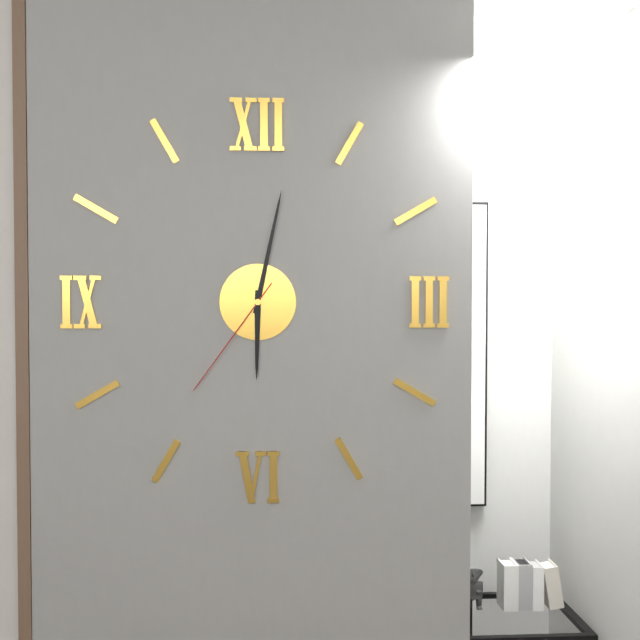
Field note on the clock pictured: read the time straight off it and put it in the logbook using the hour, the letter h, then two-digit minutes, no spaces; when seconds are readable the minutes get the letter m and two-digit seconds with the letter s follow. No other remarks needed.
6h02m36s
